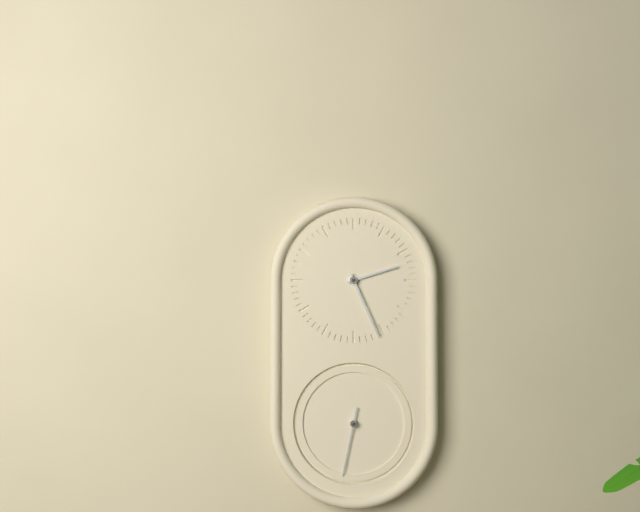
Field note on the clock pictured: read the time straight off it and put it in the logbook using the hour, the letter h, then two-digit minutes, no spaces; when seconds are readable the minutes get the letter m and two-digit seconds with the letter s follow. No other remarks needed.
2h26m32s
